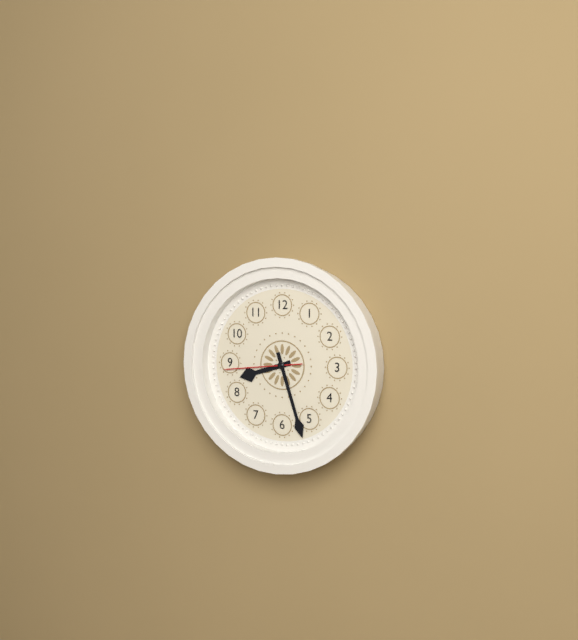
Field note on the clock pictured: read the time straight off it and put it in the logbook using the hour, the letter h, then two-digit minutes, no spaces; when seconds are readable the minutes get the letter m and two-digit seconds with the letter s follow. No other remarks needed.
8h27m44s
